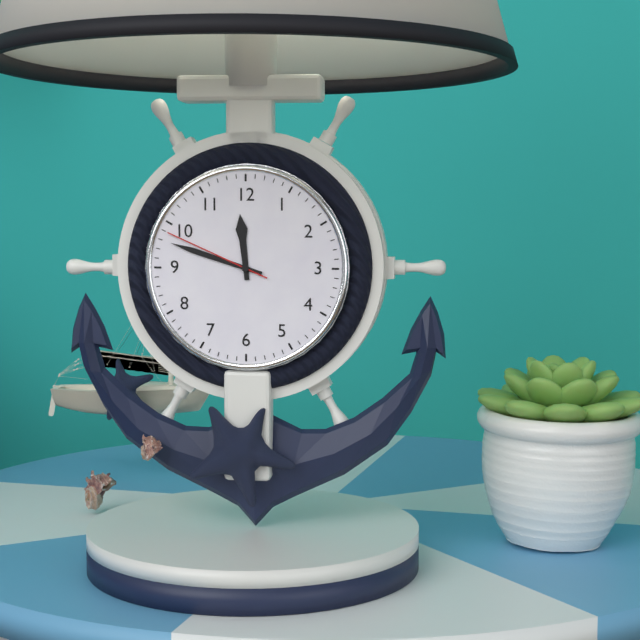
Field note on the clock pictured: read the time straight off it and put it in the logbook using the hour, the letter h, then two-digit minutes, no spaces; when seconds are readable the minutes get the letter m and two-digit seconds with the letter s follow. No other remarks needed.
11h48m49s
